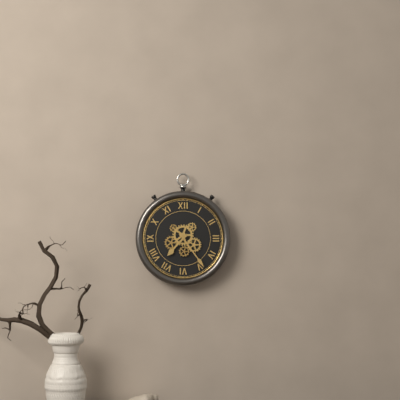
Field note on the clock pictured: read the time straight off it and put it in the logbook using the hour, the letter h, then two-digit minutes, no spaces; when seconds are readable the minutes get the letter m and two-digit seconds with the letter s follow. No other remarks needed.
7h24
